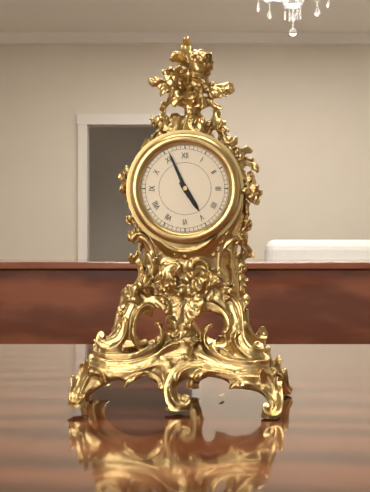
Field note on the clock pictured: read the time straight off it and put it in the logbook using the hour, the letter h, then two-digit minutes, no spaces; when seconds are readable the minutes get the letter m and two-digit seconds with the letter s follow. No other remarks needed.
4h56
